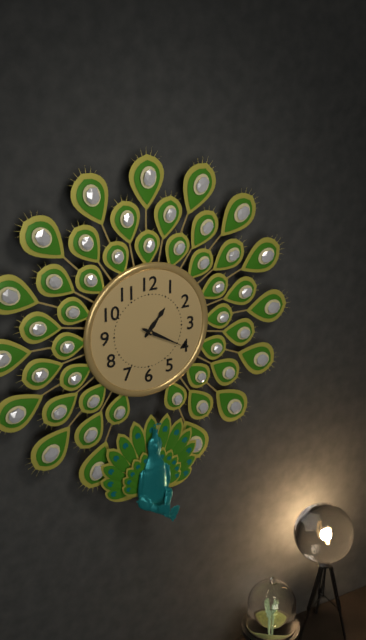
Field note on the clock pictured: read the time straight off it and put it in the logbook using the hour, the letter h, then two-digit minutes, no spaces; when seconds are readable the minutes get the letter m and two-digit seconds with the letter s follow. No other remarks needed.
1h20
